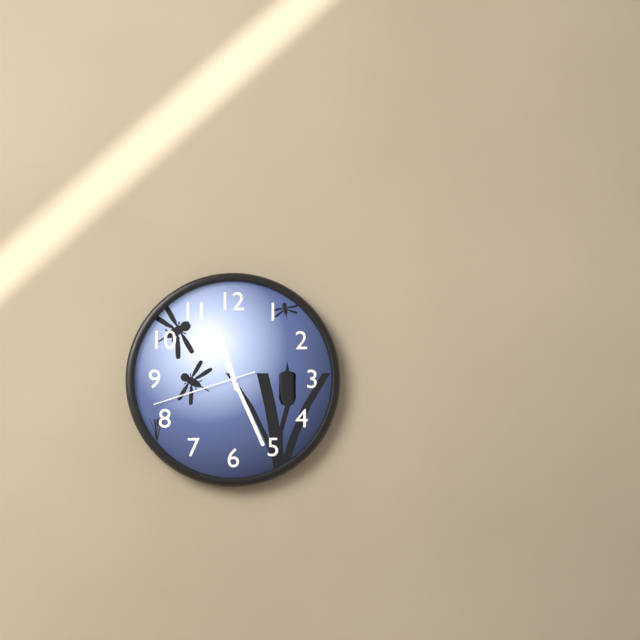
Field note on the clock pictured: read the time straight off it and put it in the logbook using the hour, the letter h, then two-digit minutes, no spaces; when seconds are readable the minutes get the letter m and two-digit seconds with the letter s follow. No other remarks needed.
11h26m42s
